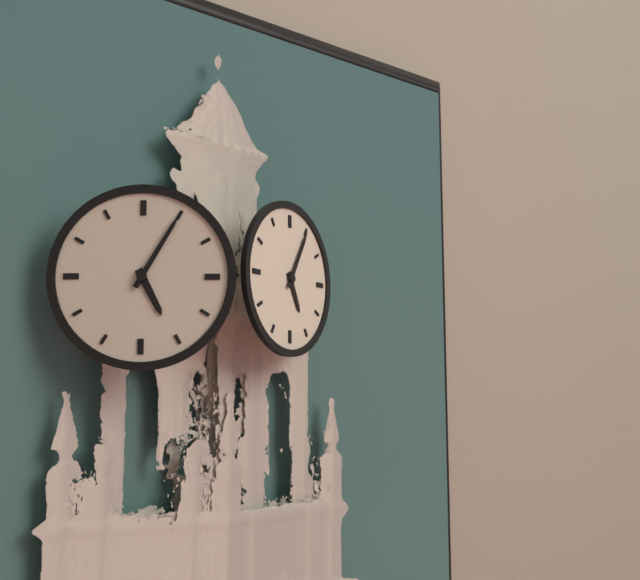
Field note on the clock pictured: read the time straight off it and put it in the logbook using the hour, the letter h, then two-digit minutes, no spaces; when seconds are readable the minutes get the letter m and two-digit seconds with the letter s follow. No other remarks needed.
5h05
